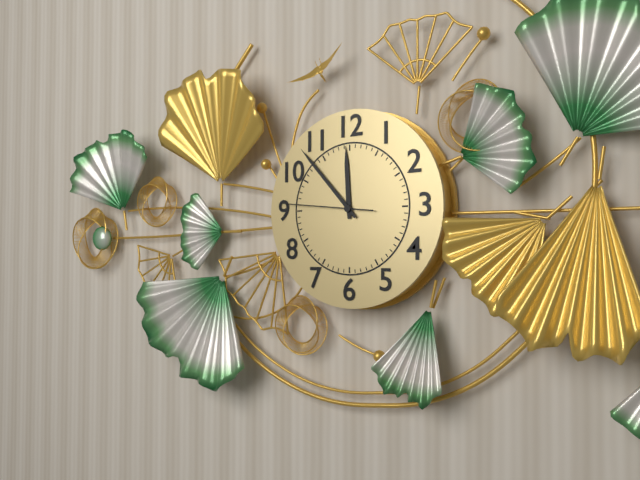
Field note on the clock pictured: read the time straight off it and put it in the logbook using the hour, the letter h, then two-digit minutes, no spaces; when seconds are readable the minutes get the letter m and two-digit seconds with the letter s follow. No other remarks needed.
11h53m46s
